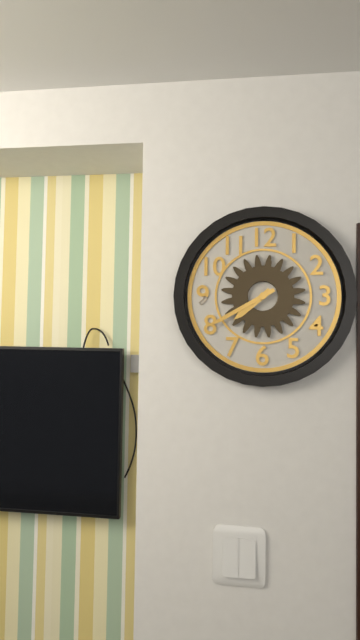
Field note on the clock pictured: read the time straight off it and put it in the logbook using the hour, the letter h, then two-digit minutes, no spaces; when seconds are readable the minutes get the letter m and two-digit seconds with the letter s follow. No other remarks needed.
7h40
